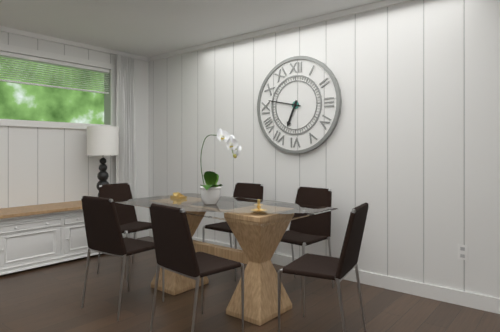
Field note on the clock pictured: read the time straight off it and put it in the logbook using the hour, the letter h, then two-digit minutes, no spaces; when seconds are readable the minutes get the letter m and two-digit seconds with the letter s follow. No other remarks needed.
6h47
